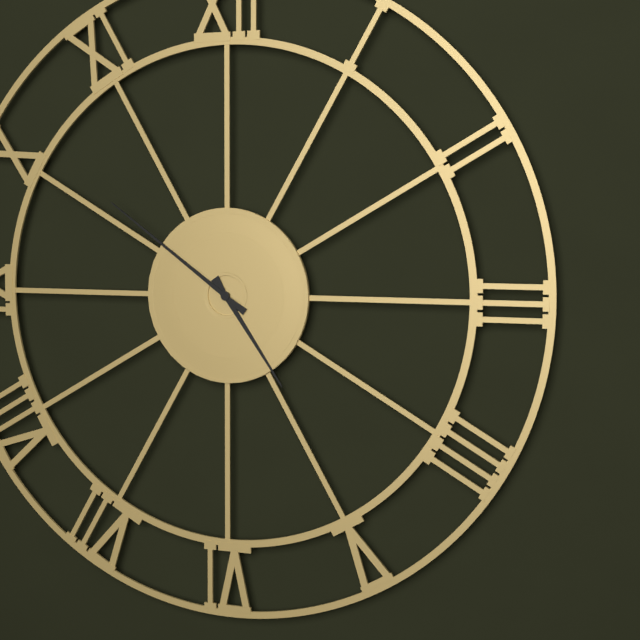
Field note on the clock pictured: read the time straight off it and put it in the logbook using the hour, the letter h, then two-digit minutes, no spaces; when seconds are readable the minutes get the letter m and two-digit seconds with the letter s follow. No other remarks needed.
4h51
